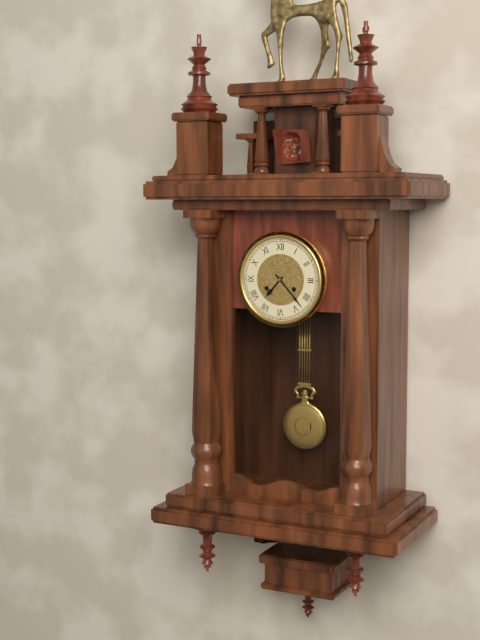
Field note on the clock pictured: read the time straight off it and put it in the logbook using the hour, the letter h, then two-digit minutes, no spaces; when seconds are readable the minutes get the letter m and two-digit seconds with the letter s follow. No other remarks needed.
7h23
